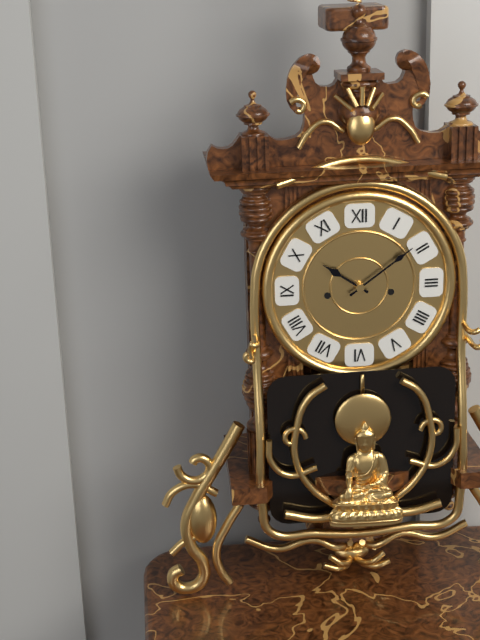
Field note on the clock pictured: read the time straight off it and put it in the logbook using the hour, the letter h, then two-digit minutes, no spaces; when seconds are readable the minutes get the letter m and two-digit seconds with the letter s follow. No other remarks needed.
10h09
